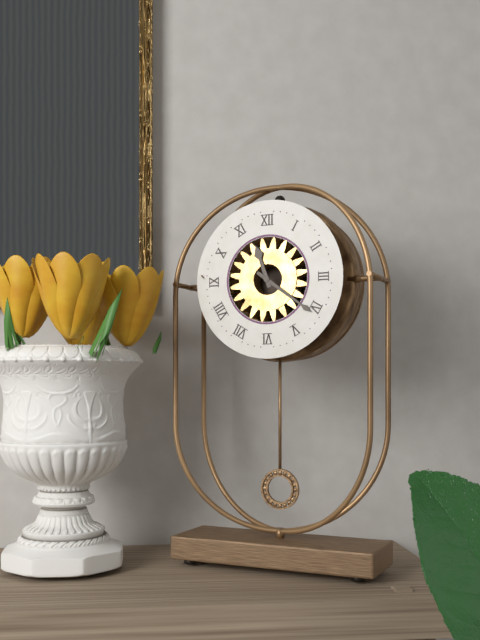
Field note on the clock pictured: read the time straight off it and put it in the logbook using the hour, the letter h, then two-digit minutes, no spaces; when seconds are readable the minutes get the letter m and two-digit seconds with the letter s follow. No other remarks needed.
11h21
